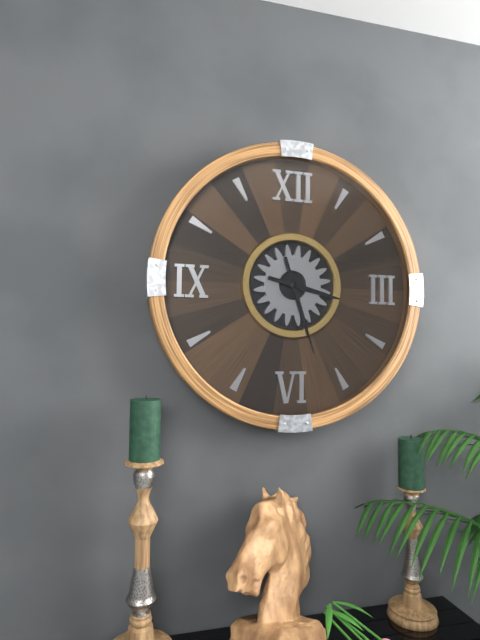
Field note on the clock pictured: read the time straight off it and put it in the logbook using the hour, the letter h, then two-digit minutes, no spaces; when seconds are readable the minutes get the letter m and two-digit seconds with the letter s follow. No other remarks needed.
3h27
